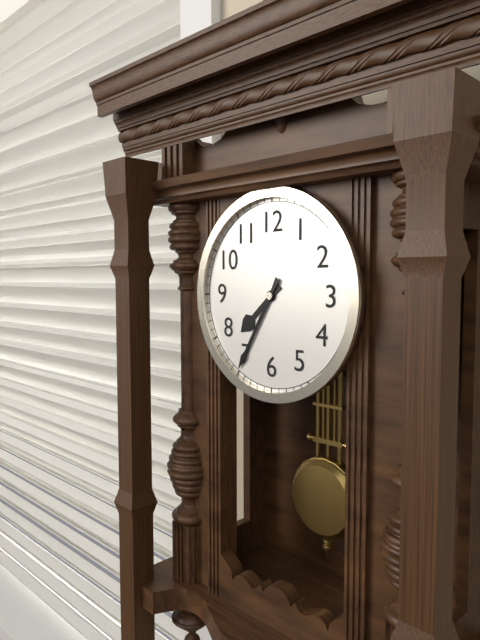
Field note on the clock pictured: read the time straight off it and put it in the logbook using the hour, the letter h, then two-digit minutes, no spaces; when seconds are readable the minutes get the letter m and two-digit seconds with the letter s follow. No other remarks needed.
7h35
